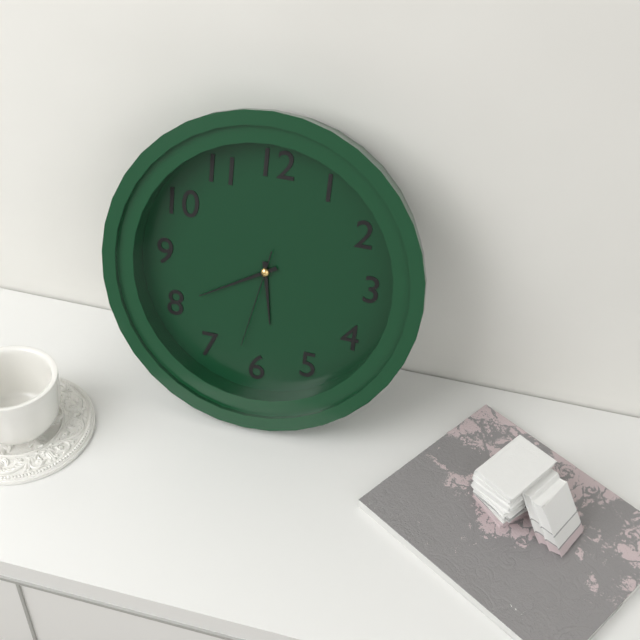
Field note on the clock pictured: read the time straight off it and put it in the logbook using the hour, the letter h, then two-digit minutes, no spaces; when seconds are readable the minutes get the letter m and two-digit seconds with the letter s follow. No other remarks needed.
5h40m32s
